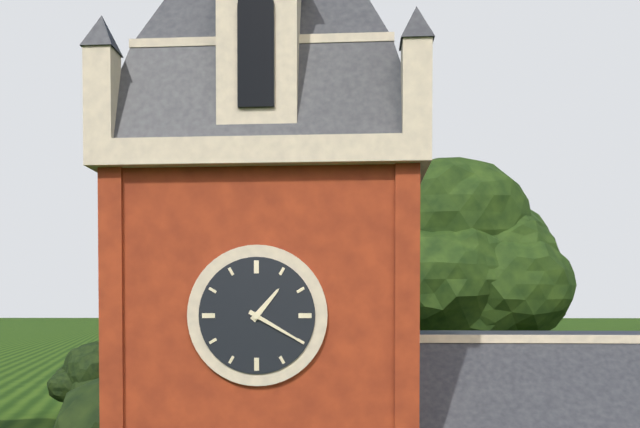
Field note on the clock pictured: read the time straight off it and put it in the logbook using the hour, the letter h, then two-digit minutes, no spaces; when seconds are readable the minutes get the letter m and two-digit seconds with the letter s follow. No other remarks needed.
1h20
